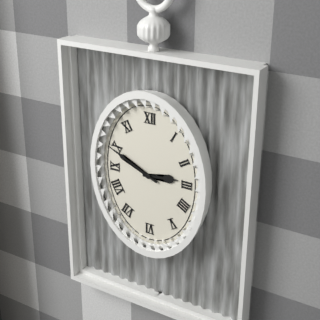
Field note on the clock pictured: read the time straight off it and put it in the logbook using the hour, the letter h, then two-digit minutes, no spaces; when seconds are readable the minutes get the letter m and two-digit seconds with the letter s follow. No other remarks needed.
2h49
